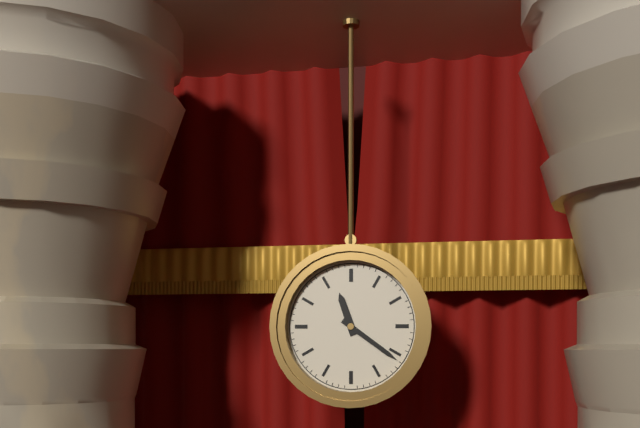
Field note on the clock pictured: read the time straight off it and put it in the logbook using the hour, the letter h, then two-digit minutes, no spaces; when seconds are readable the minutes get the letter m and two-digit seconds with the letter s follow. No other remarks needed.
11h21
